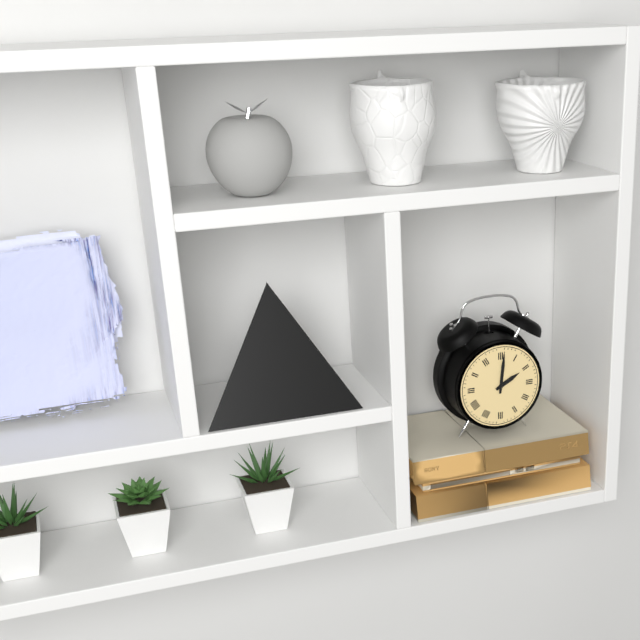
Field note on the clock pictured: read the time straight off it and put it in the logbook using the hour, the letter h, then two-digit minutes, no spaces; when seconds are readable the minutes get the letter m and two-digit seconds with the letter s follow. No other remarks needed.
2h01
